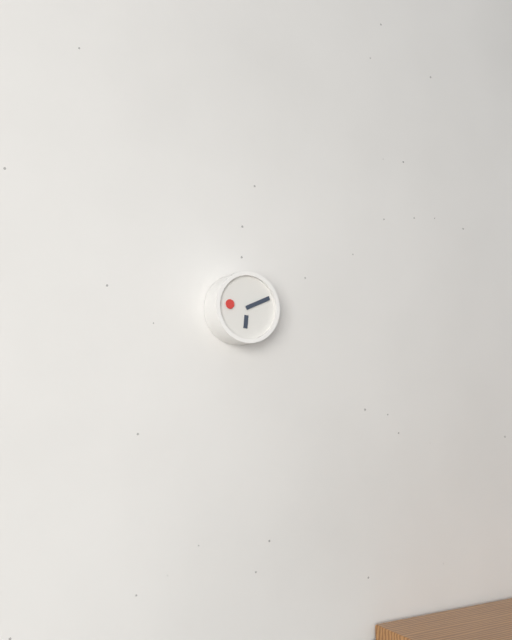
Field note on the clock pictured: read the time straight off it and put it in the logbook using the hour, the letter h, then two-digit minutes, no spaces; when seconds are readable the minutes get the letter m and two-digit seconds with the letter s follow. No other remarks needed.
6h11
